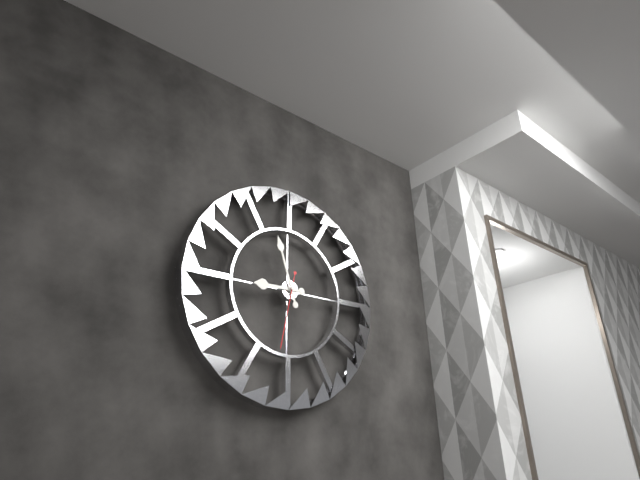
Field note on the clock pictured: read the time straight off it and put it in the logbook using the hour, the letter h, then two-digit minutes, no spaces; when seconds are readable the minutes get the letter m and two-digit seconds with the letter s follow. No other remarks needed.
8h57m32s
